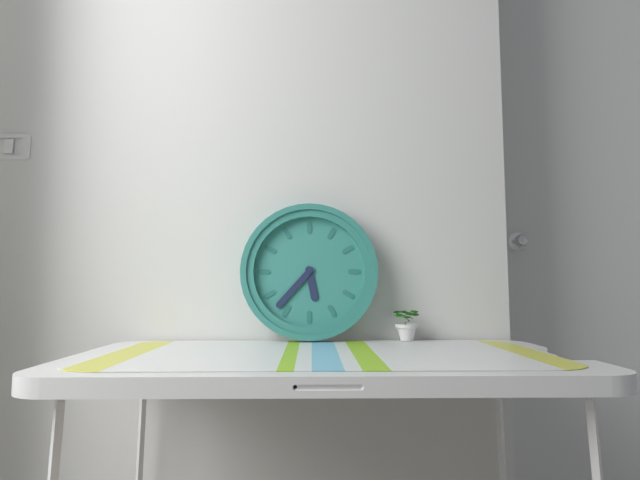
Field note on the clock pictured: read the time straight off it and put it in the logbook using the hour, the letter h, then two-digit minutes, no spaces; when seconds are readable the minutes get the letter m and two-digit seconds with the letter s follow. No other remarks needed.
5h37
